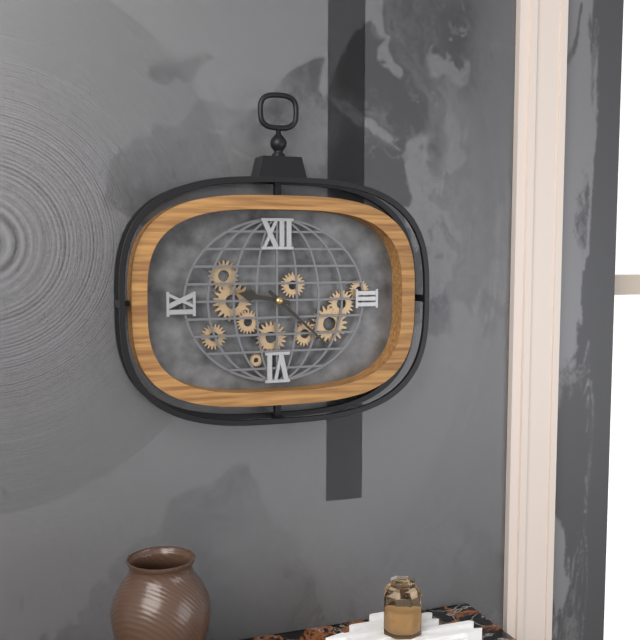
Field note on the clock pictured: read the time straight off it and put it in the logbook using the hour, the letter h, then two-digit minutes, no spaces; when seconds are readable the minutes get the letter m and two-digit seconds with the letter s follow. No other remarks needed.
9h22
